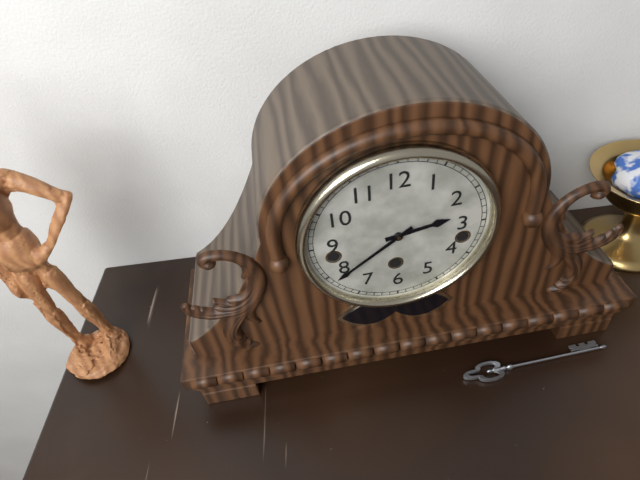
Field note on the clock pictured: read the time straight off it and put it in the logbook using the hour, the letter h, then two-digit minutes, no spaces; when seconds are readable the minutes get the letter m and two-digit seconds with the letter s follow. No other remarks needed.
2h39
